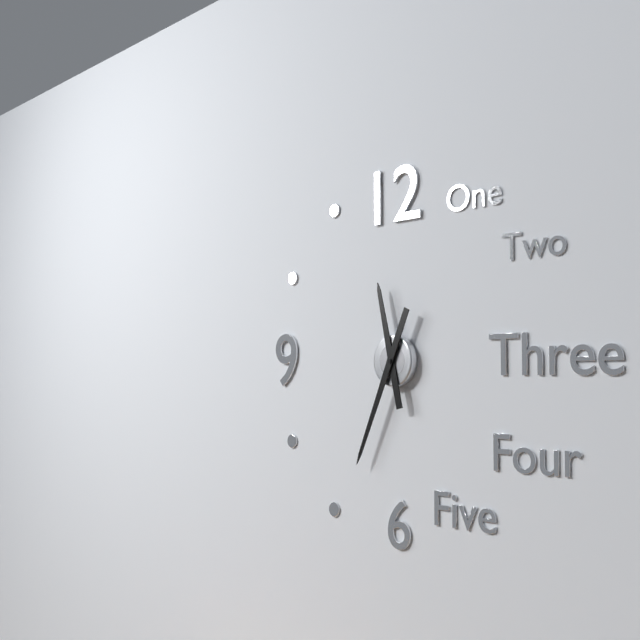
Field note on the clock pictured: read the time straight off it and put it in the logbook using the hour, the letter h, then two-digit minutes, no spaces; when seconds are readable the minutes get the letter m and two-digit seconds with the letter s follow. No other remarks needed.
11h34
